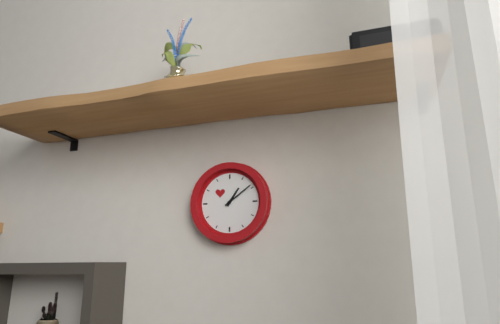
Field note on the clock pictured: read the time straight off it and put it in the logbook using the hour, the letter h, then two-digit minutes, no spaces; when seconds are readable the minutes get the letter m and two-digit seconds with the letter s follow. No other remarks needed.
1h09
